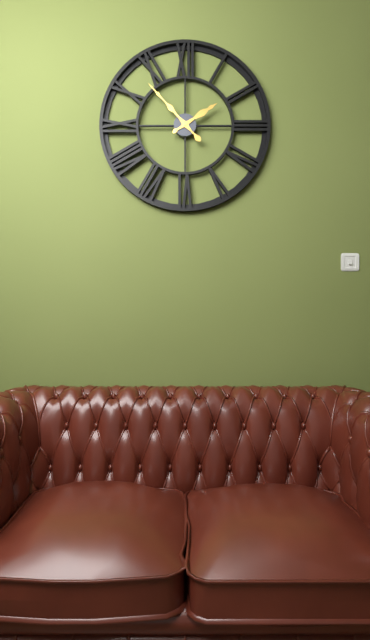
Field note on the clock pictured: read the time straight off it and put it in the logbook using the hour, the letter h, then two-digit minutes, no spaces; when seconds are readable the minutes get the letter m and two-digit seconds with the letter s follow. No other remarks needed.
1h53
